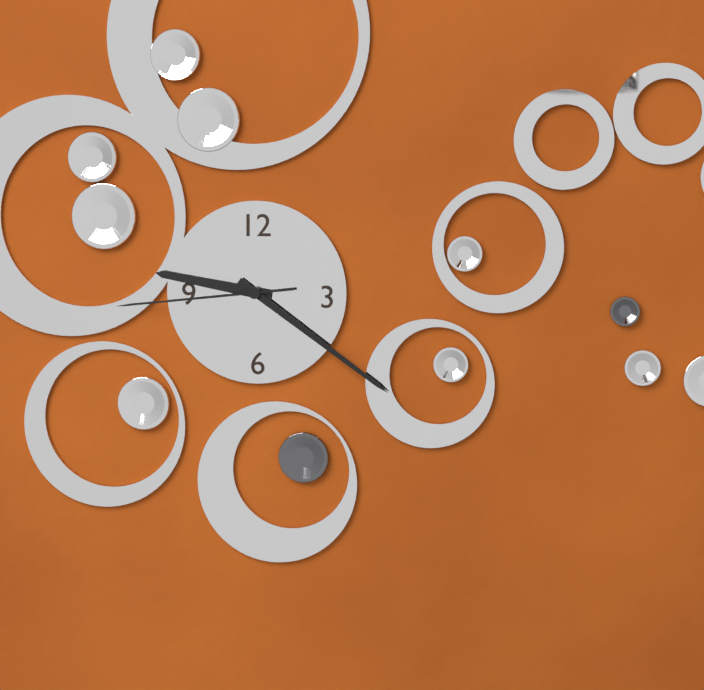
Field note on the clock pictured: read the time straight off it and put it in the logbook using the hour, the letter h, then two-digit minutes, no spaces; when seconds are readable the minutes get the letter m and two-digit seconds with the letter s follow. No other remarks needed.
9h21m44s
